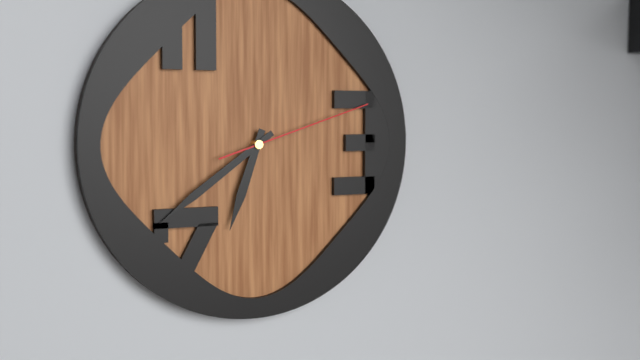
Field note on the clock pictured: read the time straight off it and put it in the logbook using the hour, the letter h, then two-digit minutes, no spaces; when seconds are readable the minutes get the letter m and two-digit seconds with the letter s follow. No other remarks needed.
6h39m12s
